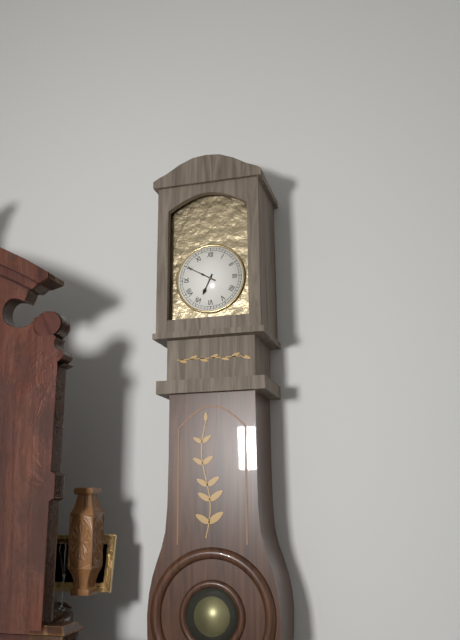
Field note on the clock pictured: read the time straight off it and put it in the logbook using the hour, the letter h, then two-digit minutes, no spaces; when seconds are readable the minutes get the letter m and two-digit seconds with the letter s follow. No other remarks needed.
6h50
